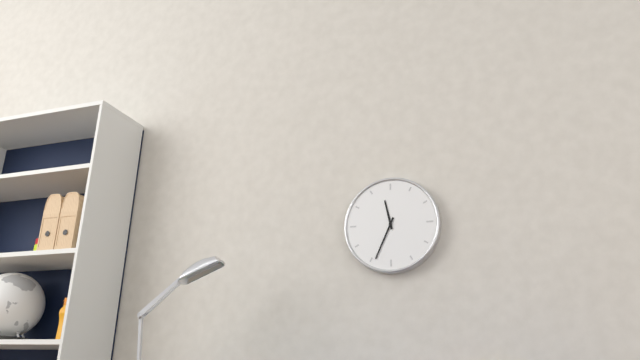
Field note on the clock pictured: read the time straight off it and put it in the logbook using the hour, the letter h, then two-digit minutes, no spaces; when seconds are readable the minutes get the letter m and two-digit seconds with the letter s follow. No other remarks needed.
11h34
